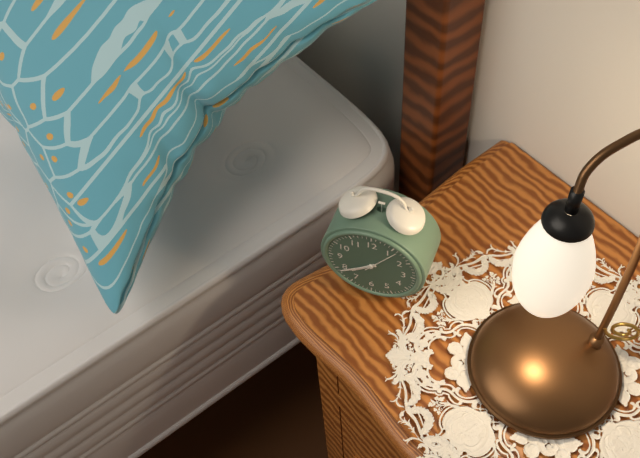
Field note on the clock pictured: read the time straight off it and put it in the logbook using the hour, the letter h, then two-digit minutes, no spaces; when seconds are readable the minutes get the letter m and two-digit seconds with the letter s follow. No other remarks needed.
7h39
